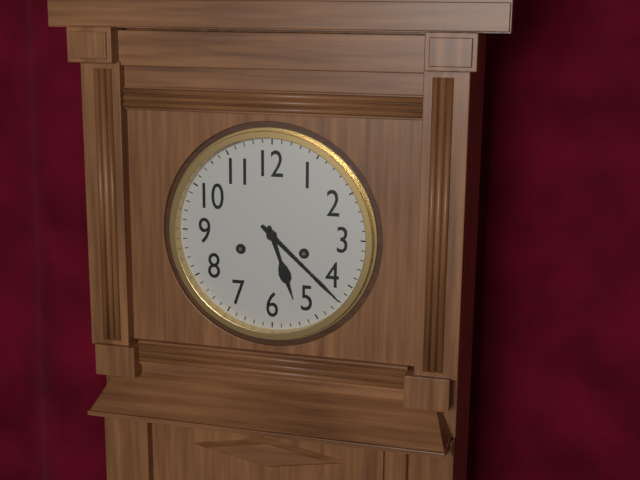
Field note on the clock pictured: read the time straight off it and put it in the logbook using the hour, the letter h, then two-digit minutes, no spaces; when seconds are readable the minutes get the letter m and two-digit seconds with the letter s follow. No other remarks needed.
5h22
